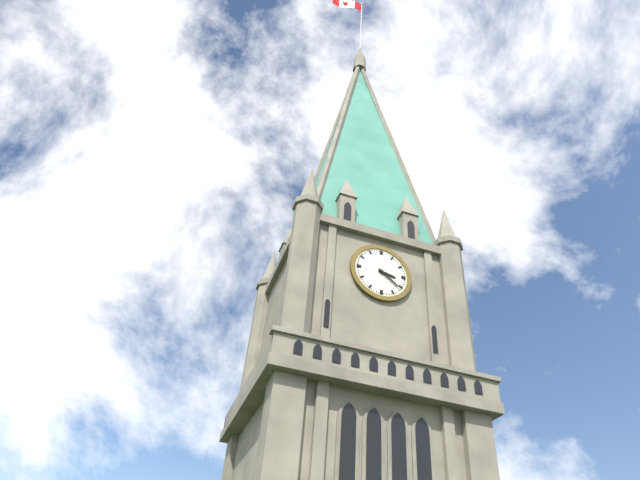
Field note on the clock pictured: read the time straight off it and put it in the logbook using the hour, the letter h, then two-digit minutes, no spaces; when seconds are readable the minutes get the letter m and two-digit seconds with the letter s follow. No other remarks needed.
3h21
